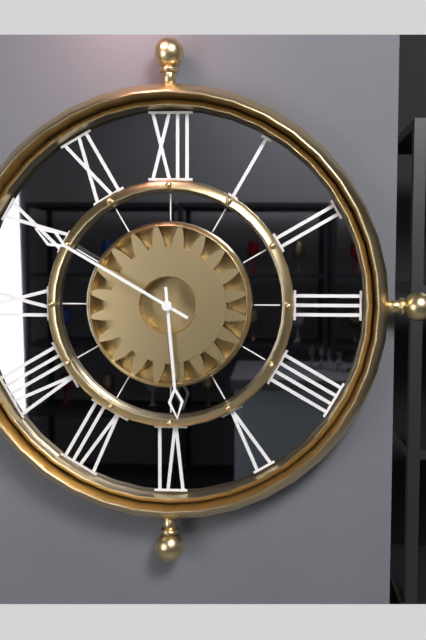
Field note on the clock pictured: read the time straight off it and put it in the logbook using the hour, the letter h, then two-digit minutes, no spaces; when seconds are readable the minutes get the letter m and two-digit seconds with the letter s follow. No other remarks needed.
5h50
